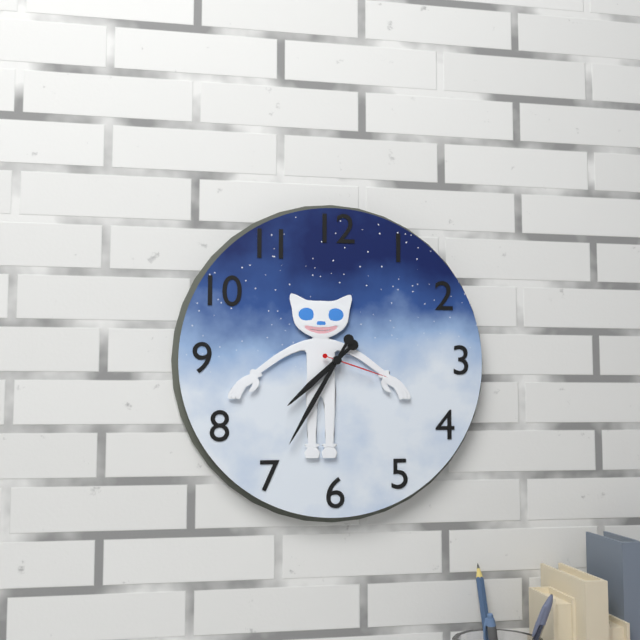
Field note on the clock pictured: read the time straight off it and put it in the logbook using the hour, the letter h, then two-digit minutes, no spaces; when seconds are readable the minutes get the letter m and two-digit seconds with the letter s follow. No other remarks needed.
7h35m18s
